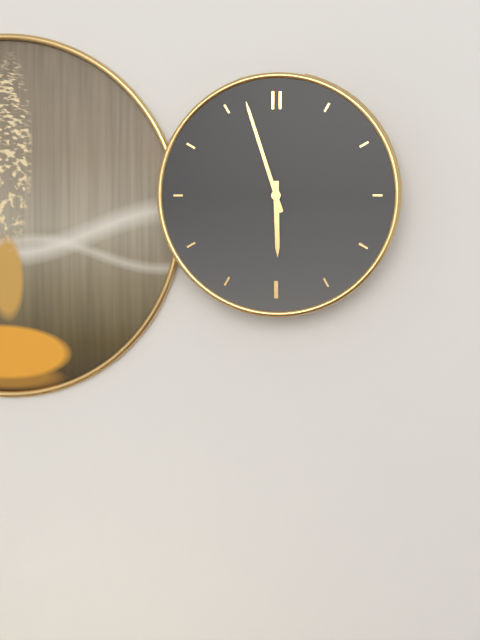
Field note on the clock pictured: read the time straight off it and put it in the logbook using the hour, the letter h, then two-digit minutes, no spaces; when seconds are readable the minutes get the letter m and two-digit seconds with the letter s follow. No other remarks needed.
5h57
